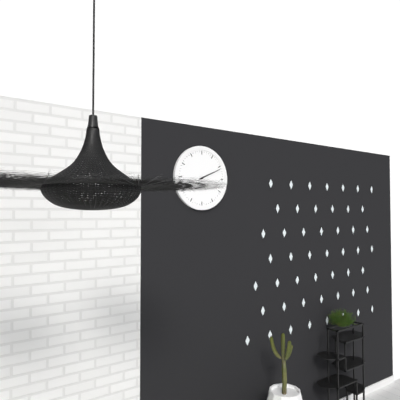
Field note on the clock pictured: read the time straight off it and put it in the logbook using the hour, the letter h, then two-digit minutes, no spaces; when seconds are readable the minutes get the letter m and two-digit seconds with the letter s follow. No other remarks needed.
2h11
